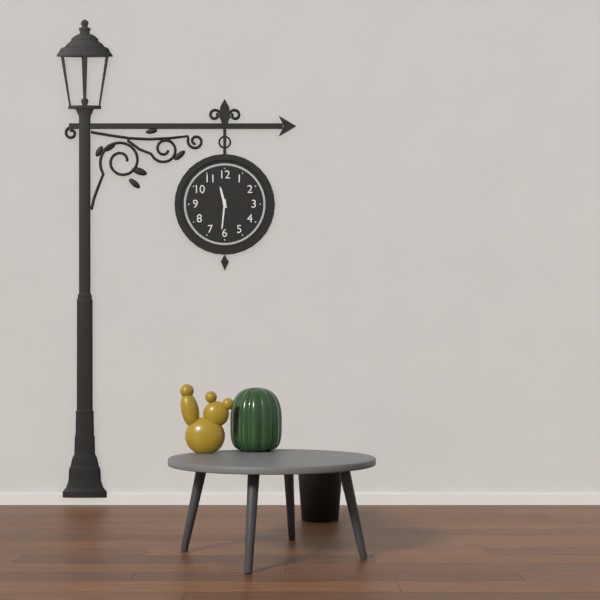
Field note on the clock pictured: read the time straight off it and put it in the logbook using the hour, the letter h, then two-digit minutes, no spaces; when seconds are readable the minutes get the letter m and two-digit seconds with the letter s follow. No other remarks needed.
11h31
